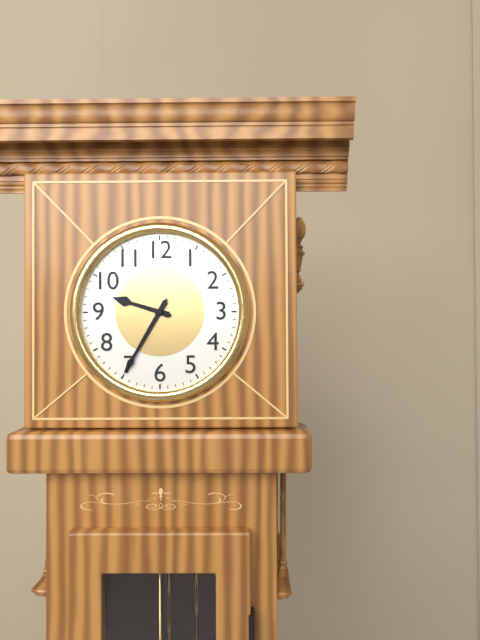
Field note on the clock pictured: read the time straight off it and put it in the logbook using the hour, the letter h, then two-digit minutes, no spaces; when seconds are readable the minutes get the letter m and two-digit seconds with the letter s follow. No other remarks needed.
9h35
